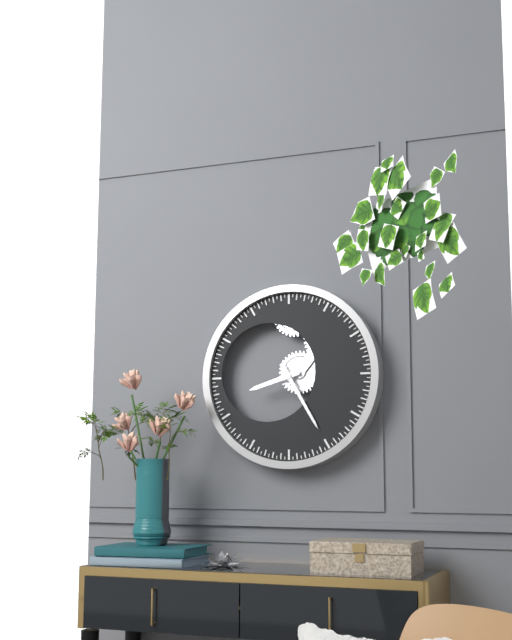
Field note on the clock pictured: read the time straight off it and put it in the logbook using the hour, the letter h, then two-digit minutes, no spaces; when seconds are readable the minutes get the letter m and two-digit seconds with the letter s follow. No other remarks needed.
8h25
